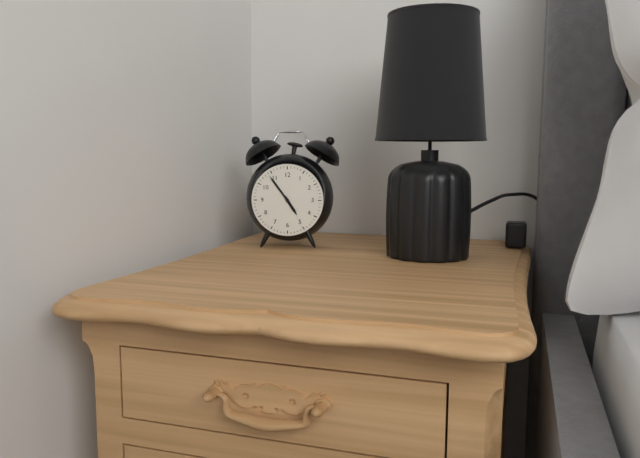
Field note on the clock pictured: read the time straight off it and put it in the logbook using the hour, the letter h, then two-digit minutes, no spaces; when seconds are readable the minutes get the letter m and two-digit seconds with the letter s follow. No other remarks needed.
4h54
